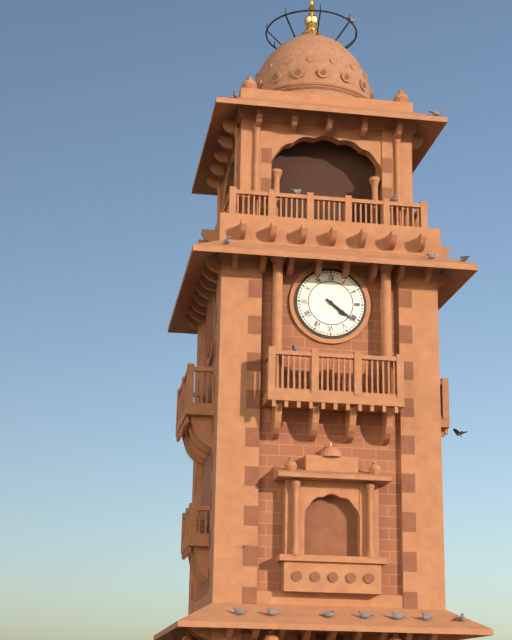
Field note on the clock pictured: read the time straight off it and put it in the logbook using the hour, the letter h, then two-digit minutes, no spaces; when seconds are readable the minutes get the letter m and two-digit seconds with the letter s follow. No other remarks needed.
4h21
